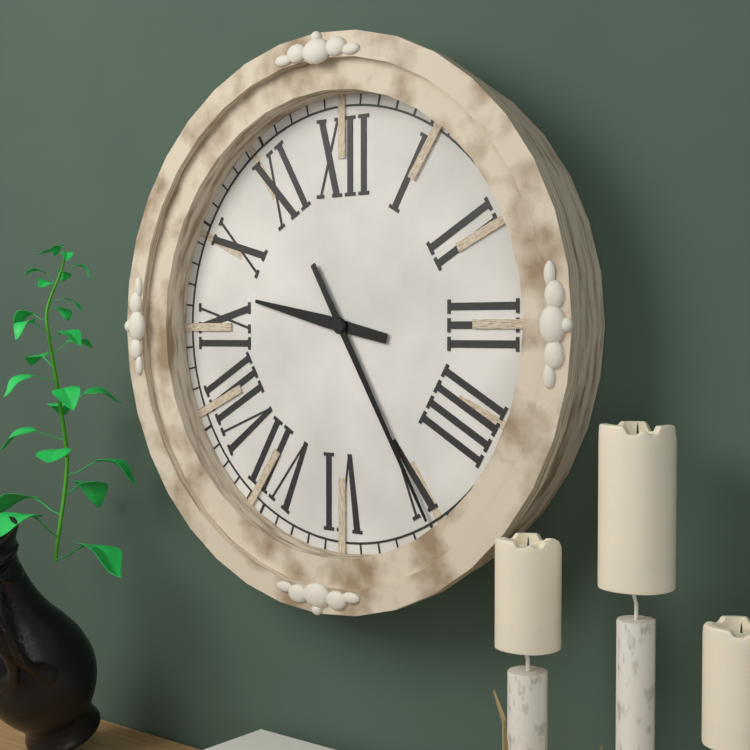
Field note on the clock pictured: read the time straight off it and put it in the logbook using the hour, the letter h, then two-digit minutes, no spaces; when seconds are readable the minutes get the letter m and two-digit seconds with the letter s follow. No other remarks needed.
9h25
